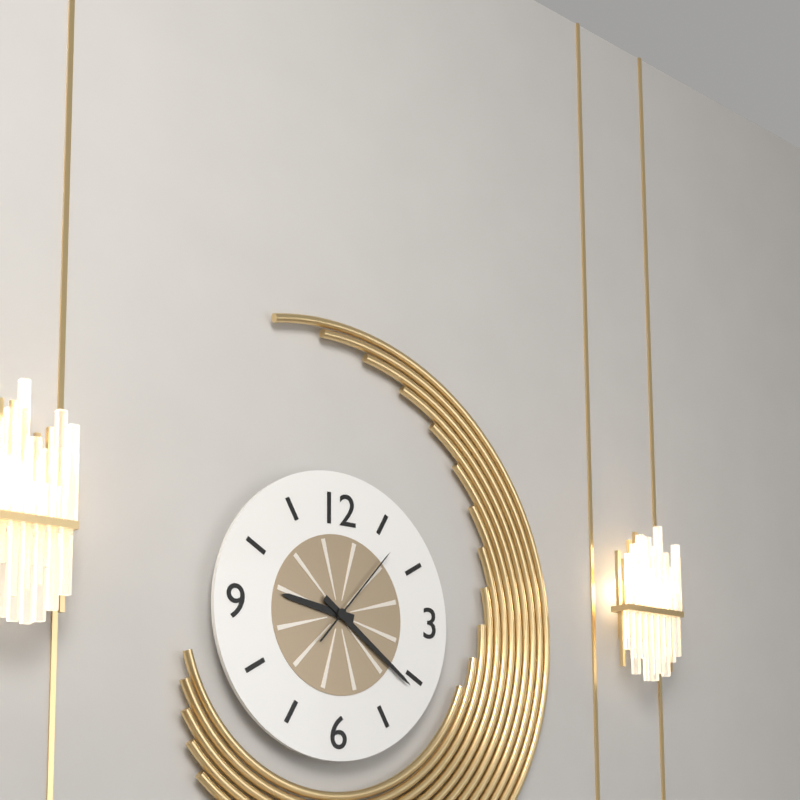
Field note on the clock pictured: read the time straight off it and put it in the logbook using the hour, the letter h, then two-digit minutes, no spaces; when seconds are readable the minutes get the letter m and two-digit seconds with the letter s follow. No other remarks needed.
9h21m07s
